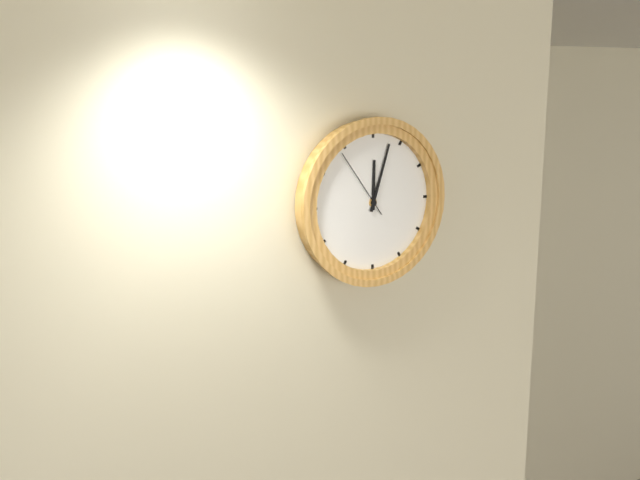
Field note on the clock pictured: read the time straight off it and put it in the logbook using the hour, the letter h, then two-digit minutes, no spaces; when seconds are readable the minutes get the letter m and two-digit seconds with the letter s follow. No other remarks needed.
12h03m54s
